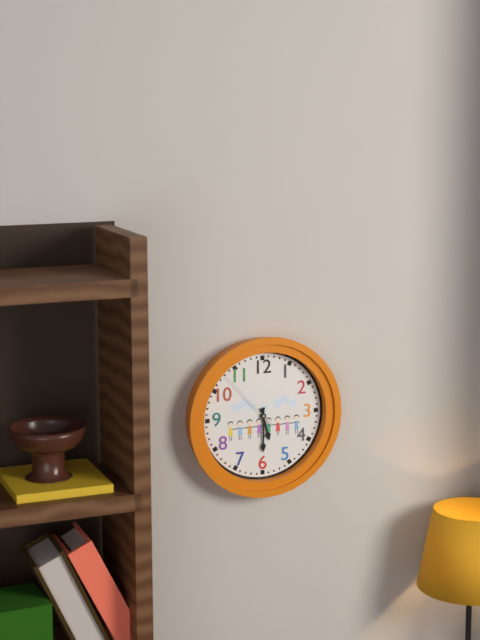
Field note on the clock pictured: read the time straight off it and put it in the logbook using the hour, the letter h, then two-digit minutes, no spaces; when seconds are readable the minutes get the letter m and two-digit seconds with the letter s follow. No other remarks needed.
5h30m53s
